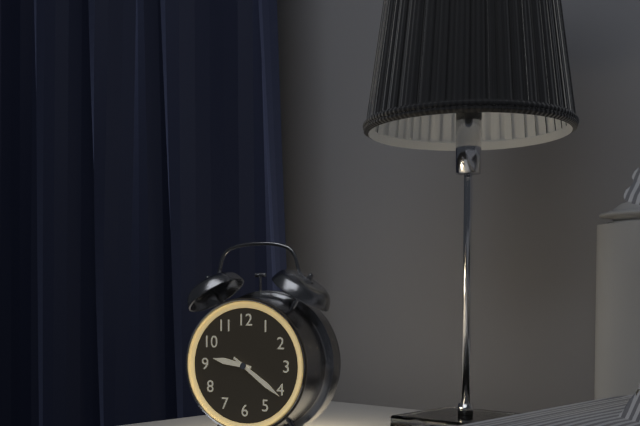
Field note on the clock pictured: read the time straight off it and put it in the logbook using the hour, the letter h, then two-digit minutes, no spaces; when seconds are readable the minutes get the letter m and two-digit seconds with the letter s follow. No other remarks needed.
9h21
